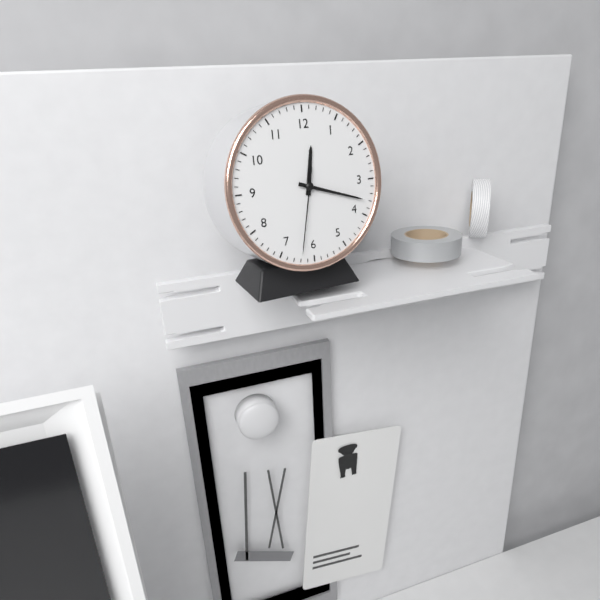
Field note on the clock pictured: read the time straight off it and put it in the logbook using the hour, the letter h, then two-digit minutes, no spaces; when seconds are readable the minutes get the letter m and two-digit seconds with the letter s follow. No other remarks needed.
12h18m32s
